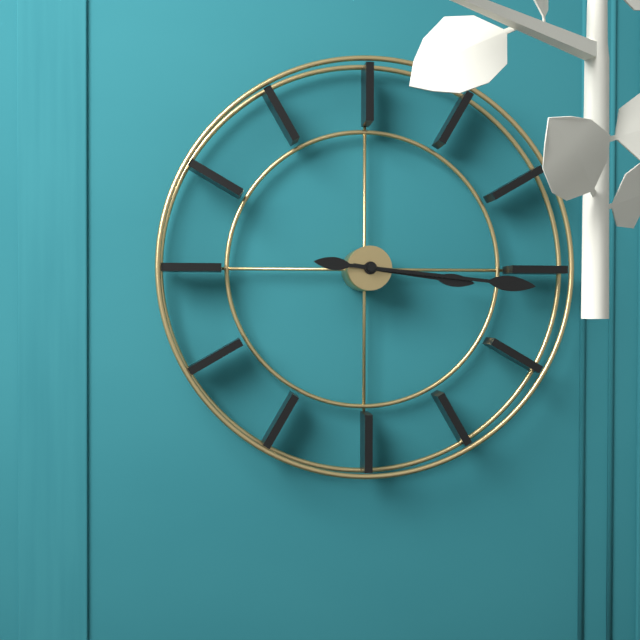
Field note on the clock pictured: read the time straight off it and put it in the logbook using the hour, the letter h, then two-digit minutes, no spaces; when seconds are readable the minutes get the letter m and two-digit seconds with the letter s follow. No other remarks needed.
3h16
